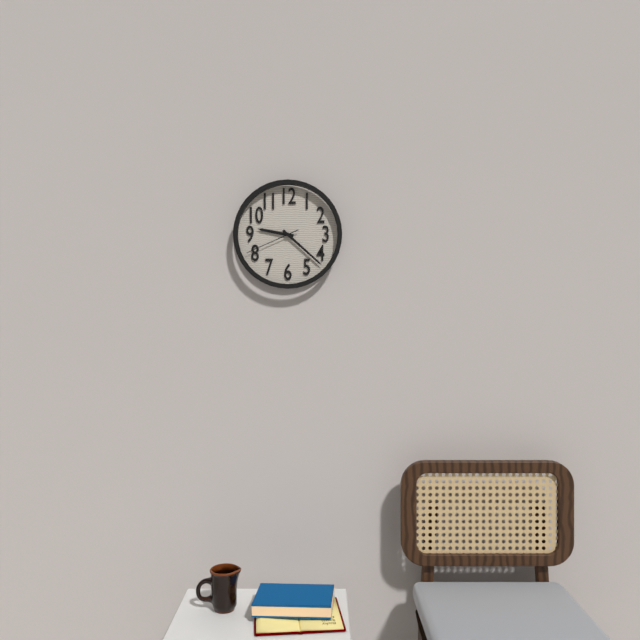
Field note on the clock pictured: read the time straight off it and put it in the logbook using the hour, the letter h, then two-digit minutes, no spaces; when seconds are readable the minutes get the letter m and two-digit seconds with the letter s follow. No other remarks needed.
9h22m41s
